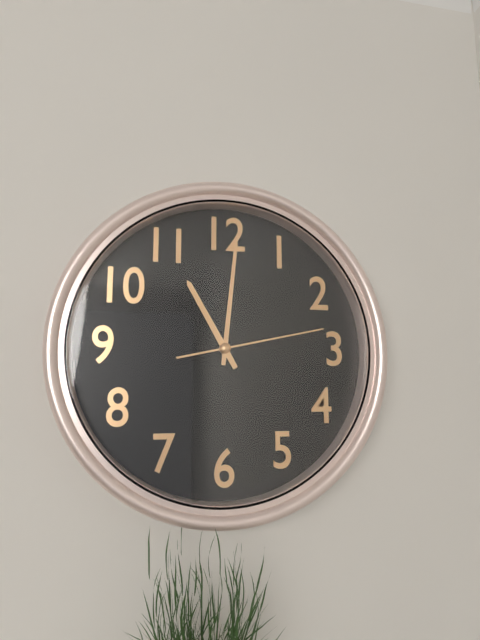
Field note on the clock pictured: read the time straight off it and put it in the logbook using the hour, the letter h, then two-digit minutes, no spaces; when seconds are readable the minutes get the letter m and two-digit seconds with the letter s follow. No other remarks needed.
11h01m13s
